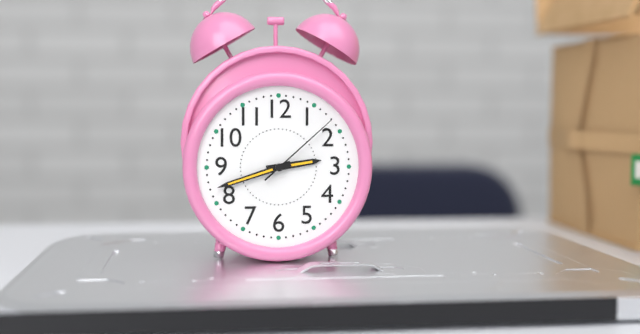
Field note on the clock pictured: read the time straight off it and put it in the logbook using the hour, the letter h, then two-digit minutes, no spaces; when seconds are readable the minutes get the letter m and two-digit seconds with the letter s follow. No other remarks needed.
2h42m08s
